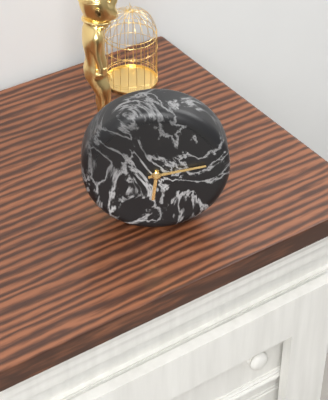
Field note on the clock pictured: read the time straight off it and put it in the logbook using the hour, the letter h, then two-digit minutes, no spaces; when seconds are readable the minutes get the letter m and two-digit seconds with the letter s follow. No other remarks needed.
6h13
